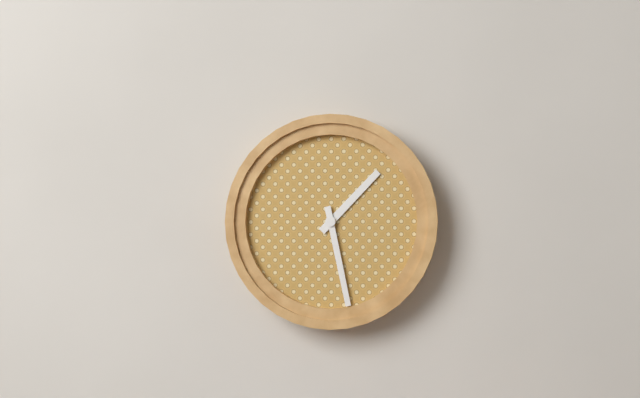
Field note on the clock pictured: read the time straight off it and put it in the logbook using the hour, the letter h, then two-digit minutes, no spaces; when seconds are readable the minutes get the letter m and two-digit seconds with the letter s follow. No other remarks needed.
1h28
